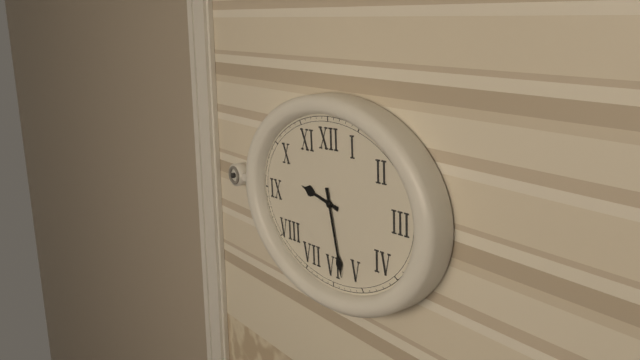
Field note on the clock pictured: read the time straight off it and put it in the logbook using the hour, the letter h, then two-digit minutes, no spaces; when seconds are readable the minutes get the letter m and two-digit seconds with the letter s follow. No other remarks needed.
9h28
